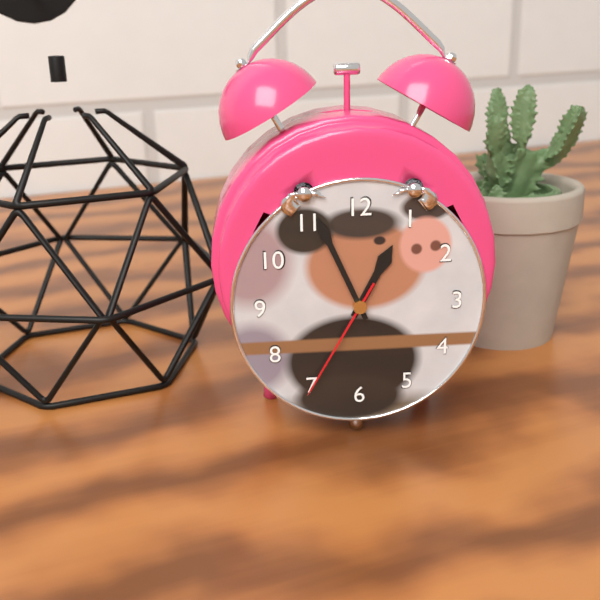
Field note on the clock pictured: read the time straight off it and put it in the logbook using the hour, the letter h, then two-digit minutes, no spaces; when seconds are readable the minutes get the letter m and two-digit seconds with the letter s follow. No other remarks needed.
12h56m35s
